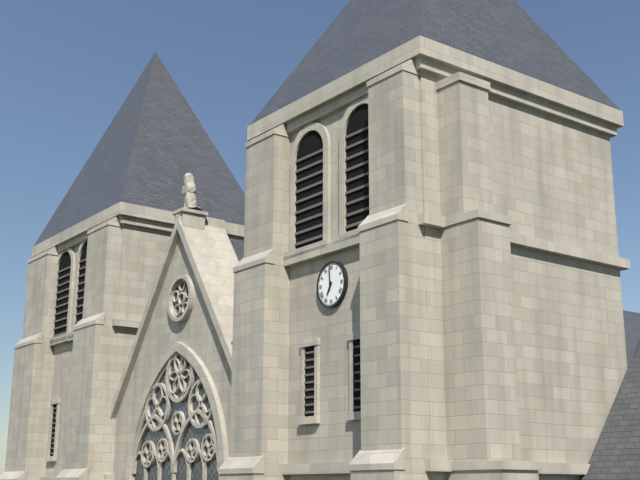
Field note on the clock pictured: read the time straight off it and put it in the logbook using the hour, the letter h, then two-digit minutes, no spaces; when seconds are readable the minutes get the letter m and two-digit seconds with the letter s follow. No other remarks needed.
6h59
